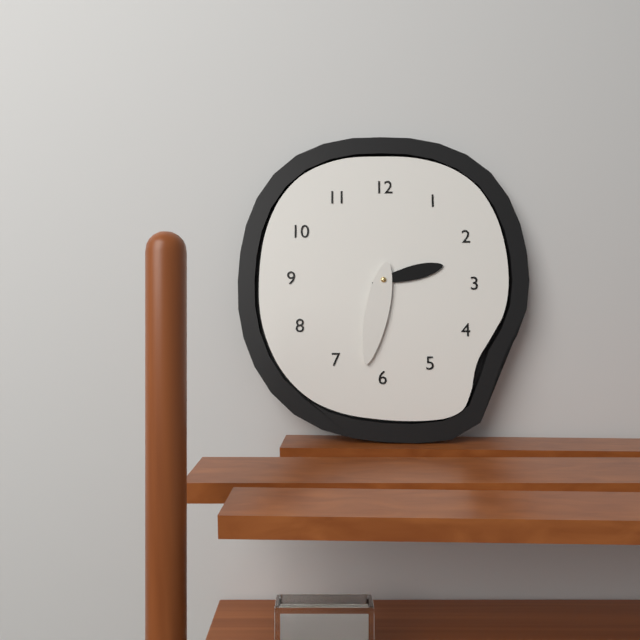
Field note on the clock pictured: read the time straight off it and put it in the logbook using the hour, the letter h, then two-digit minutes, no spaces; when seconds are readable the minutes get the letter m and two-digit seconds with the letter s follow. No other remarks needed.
2h32
